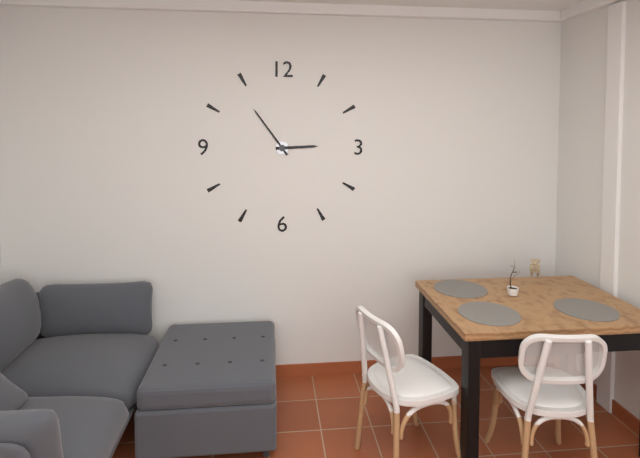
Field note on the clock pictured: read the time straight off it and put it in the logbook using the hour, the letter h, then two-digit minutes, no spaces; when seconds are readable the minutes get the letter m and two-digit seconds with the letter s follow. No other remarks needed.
2h54
